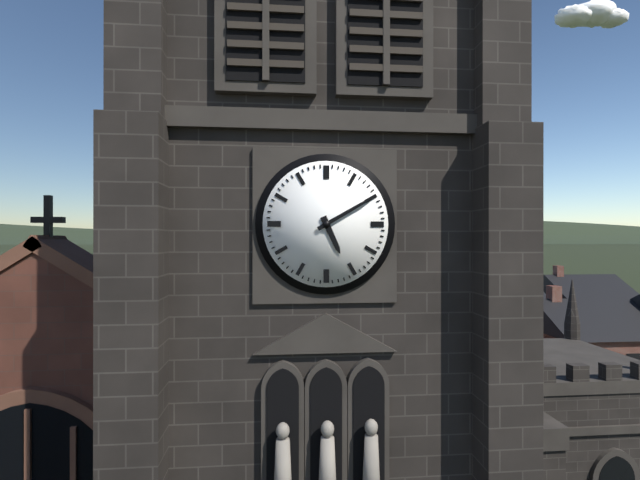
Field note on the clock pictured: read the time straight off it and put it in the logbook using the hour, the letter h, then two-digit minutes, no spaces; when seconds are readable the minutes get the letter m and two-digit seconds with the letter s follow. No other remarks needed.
5h10
